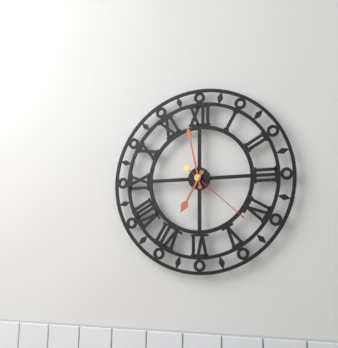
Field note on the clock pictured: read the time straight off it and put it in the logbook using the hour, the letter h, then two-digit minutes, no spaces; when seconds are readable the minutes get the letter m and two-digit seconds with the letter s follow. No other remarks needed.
6h58m22s
